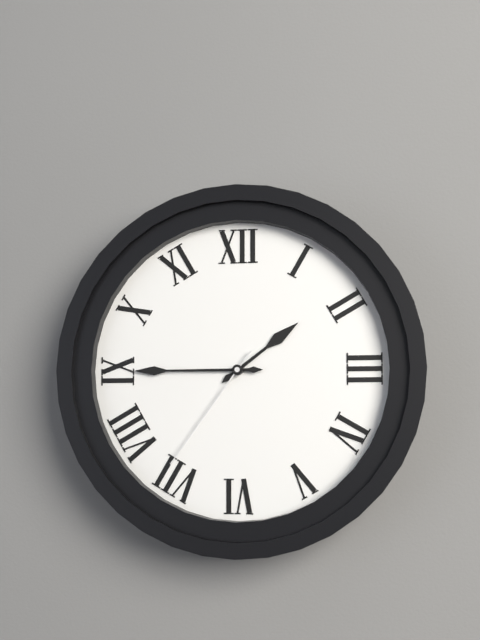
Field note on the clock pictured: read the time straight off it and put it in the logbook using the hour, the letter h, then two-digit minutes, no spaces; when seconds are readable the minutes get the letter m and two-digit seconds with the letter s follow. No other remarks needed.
1h45m36s
